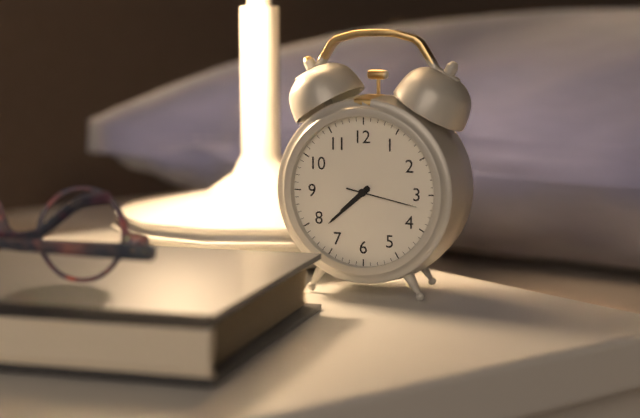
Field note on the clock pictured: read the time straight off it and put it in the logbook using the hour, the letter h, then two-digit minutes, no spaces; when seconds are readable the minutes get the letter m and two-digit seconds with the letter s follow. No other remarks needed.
7h38m17s
